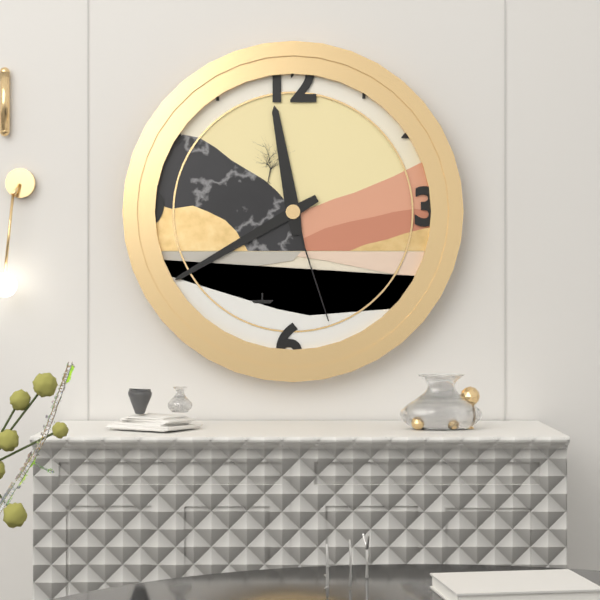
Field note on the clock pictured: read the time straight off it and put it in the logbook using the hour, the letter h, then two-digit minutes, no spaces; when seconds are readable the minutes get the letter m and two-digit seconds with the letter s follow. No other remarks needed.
11h40m27s
